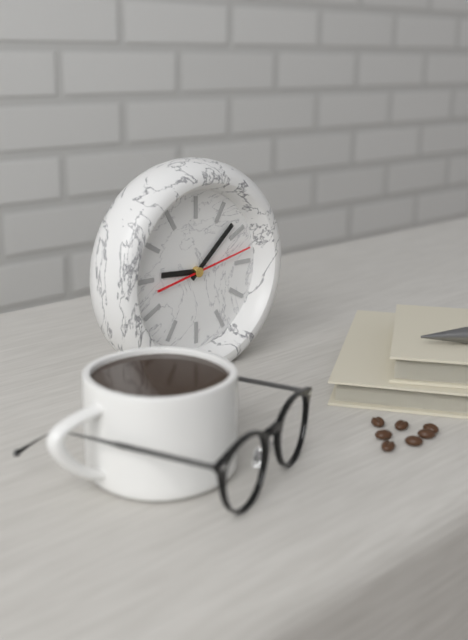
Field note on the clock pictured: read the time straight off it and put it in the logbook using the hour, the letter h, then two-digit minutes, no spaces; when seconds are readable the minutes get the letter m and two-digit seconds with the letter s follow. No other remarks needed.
9h08m13s
